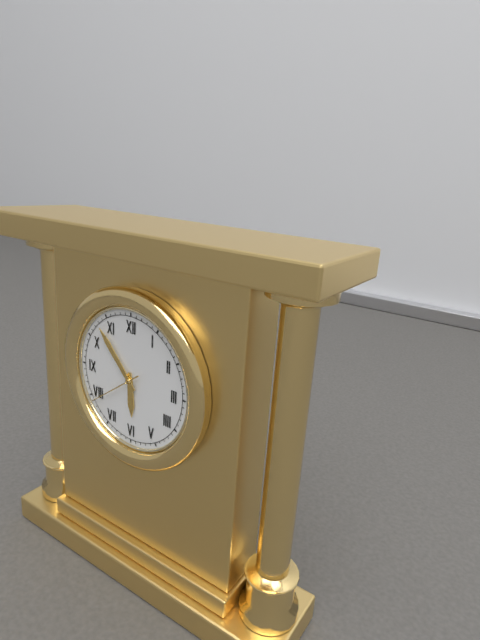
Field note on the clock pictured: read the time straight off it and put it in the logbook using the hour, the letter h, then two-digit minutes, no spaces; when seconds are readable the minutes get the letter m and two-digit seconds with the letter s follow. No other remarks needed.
5h53m39s
